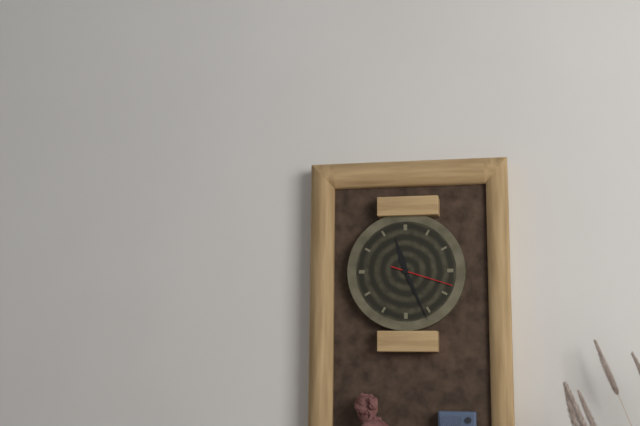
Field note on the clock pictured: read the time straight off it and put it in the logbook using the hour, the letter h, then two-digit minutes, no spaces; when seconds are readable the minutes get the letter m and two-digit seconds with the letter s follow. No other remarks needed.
11h26m18s
